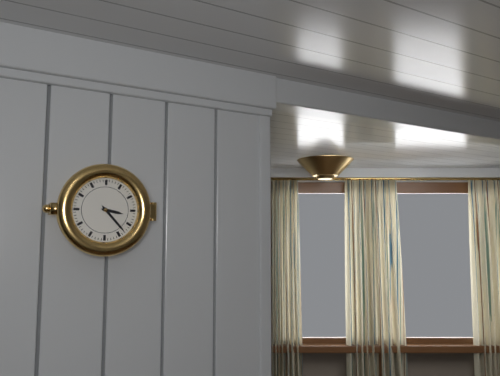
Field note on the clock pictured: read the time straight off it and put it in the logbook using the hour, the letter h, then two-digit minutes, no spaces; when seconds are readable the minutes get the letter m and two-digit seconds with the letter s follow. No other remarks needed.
3h23
